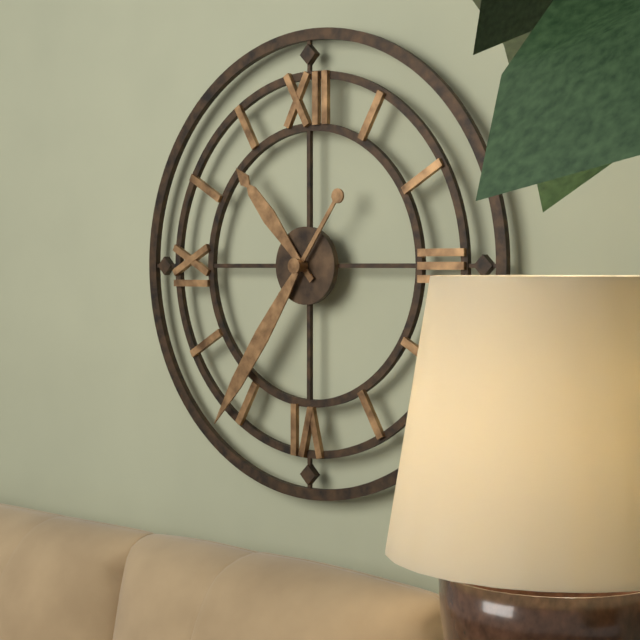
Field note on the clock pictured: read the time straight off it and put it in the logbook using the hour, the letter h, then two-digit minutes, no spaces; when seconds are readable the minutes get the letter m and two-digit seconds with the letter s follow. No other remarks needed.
10h36
